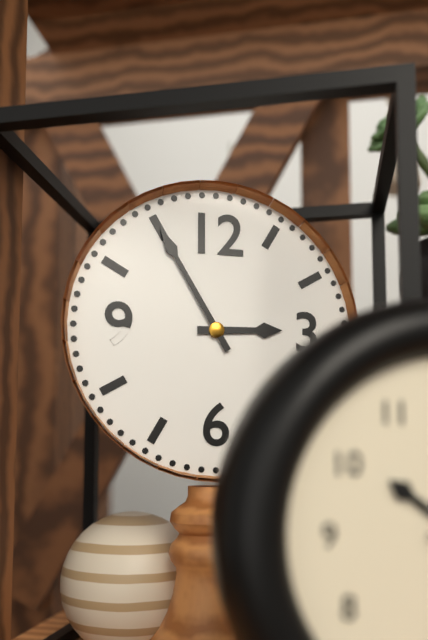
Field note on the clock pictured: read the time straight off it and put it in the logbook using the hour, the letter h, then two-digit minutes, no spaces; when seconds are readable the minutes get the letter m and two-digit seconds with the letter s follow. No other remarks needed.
2h55
